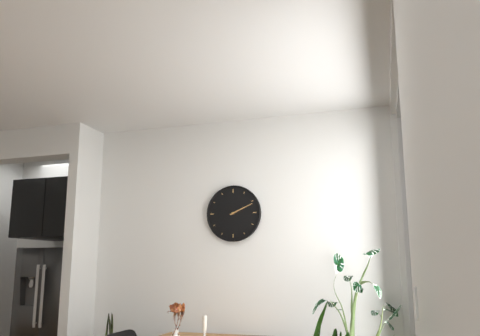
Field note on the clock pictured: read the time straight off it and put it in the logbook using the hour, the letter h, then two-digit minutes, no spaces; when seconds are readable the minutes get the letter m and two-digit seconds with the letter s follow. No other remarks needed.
2h11
